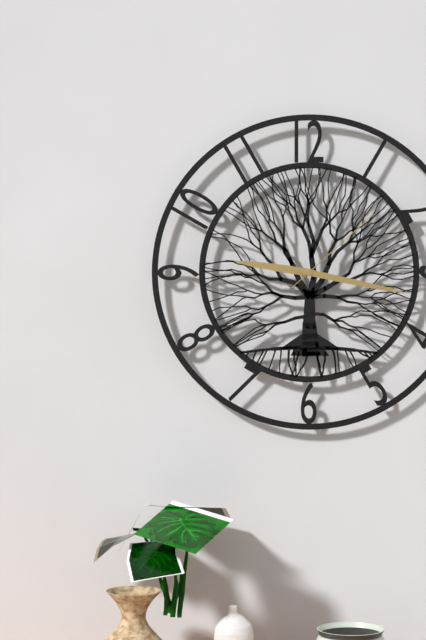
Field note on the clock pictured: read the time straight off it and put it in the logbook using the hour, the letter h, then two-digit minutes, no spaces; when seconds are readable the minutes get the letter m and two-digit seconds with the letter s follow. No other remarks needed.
9h17m08s
